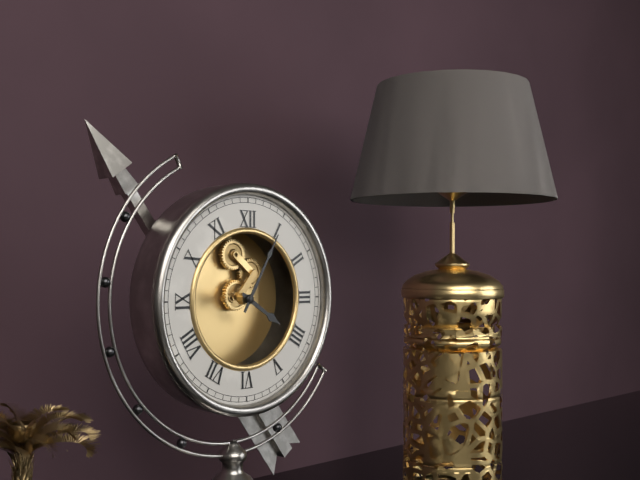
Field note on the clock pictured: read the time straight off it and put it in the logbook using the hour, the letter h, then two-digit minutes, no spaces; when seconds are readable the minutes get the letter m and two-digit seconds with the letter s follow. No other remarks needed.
4h05
